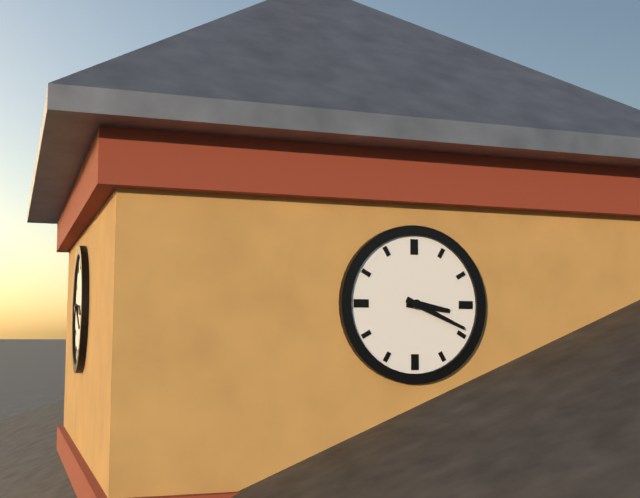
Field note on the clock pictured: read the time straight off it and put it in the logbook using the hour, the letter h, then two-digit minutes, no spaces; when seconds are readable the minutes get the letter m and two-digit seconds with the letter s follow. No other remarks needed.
3h19
